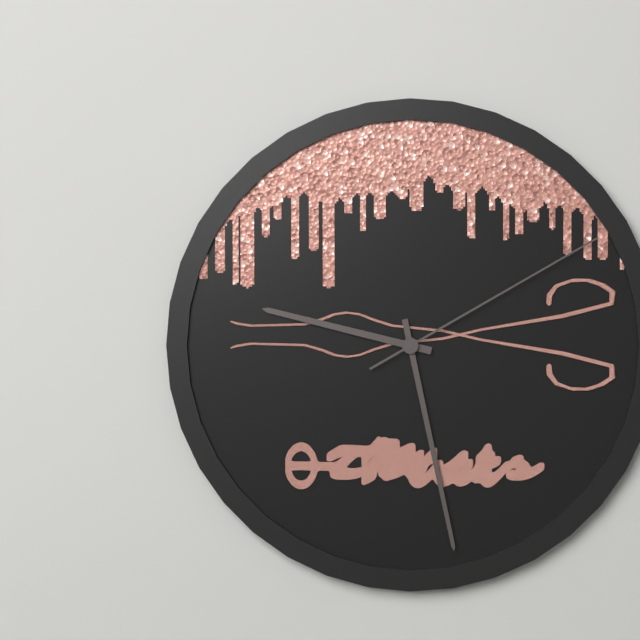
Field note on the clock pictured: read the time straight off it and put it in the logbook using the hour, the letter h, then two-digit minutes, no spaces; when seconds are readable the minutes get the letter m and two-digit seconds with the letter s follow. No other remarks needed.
9h28m10s
